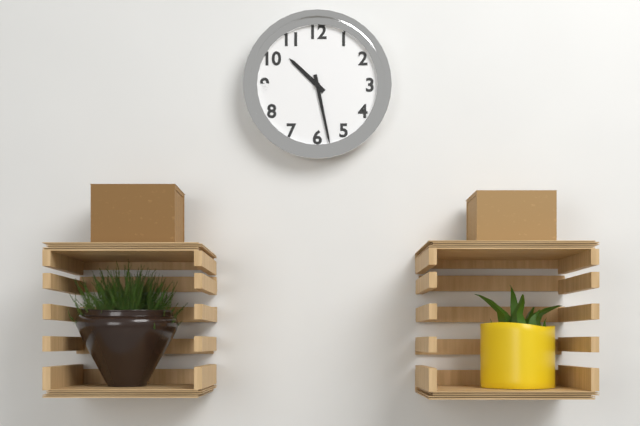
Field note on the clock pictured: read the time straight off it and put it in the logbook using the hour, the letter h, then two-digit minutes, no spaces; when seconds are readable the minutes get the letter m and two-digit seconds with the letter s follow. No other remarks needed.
10h28
